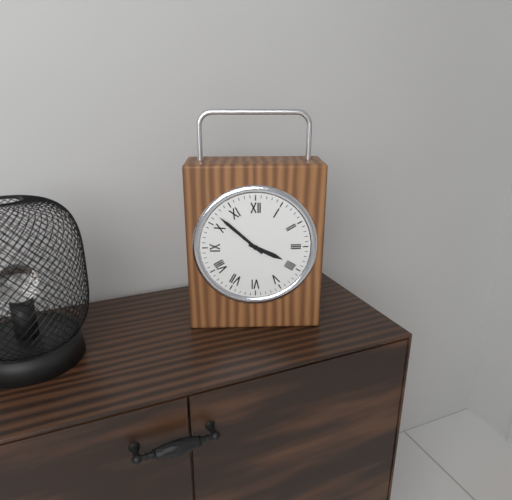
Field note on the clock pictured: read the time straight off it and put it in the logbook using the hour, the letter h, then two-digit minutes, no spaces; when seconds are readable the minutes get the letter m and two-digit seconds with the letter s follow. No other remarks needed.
3h52
